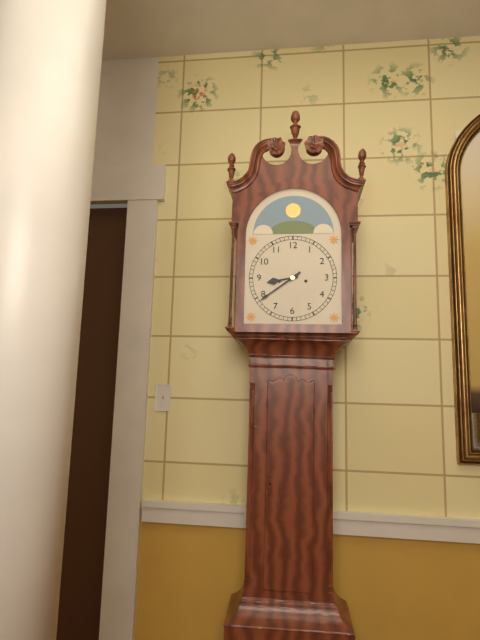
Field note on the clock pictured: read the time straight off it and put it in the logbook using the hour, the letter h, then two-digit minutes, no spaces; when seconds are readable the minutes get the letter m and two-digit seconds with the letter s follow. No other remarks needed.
8h39
